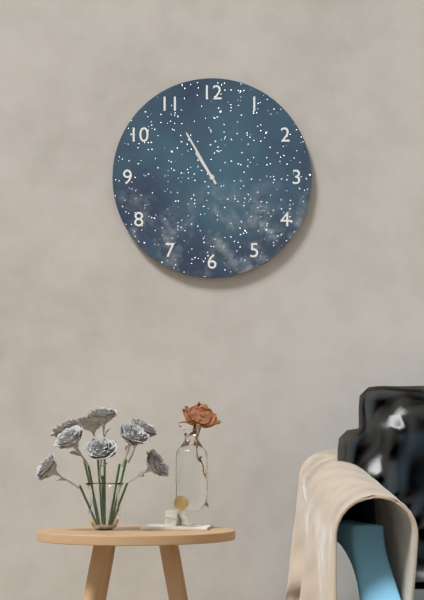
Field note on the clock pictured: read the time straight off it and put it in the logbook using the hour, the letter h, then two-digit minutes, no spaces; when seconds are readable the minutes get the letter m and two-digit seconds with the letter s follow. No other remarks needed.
10h55
